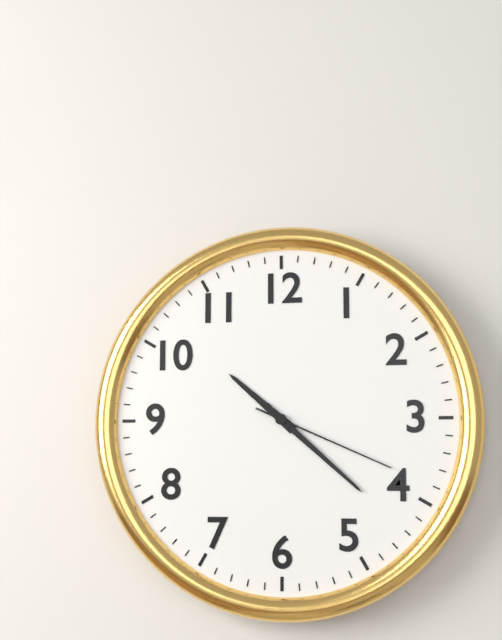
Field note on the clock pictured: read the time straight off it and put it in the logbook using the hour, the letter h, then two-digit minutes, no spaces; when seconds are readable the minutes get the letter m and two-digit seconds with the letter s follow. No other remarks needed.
10h22m19s
